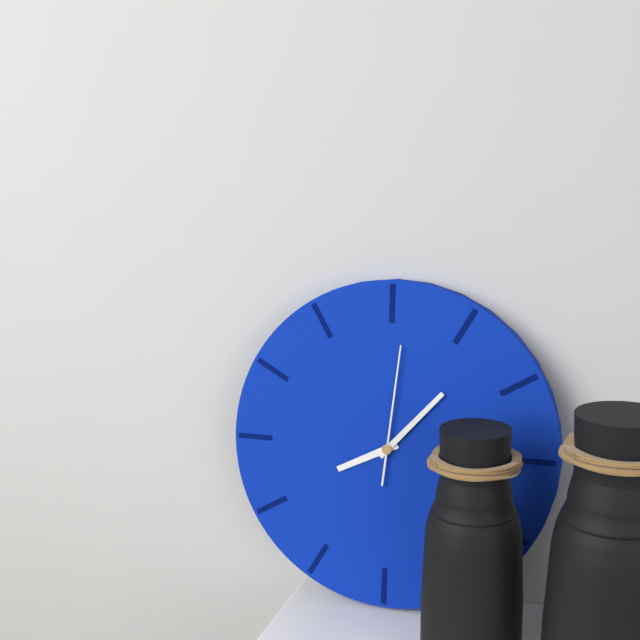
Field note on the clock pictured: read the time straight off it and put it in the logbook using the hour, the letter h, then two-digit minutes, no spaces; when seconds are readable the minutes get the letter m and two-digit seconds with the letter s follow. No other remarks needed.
8h07m01s
